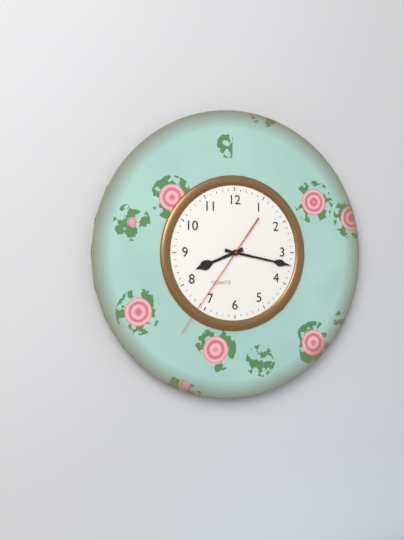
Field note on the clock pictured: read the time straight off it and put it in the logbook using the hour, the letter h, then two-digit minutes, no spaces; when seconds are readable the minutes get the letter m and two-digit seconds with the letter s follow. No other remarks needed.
8h17m36s
